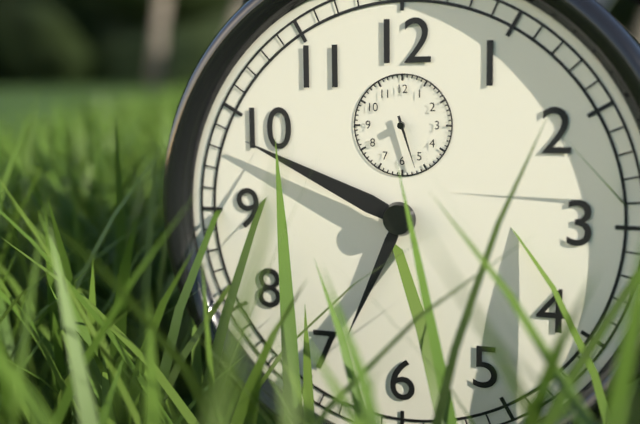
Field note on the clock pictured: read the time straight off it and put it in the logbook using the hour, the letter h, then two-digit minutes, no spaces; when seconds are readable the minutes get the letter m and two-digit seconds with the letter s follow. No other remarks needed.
6h49m27s
